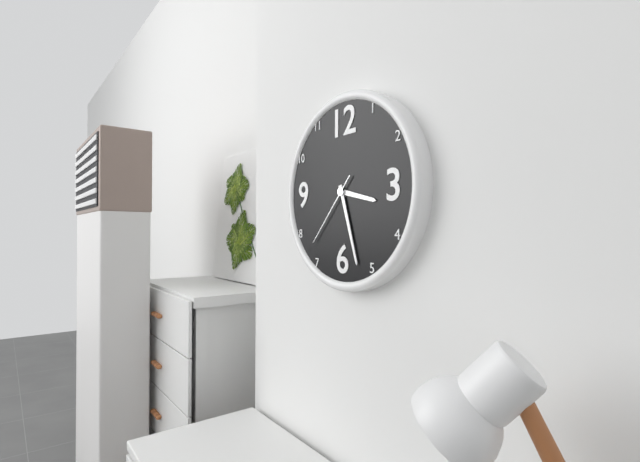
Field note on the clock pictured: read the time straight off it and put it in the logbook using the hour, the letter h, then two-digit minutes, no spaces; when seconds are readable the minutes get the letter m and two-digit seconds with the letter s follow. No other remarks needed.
3h27m37s
